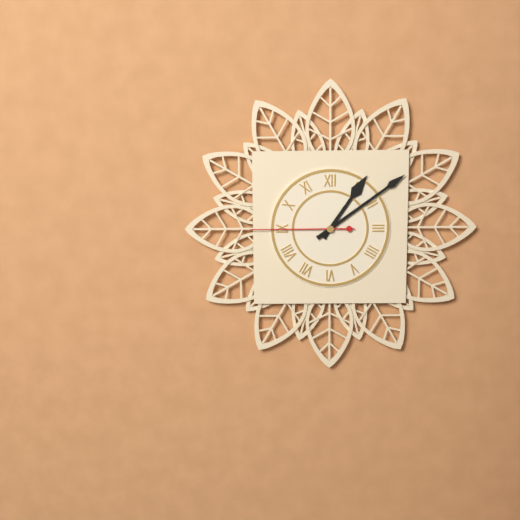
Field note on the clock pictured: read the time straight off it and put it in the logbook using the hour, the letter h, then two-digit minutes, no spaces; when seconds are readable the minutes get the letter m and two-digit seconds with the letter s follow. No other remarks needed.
1h09m45s
